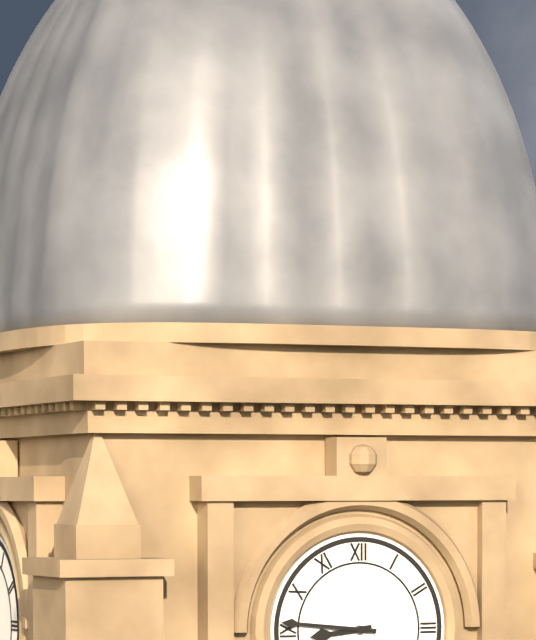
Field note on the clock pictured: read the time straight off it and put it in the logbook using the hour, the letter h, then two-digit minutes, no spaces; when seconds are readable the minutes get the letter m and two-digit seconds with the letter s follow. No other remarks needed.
8h46
